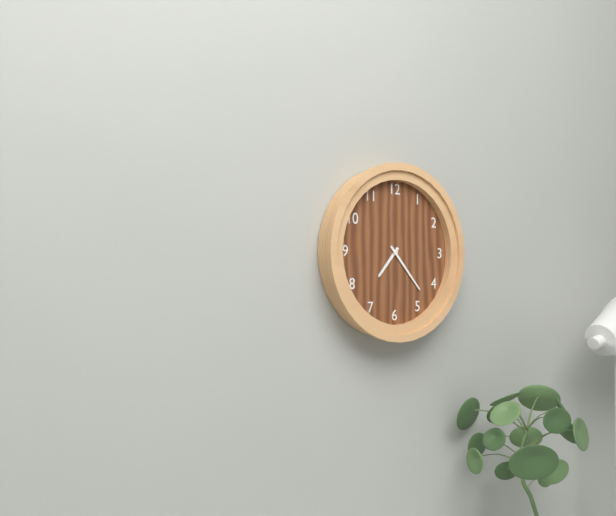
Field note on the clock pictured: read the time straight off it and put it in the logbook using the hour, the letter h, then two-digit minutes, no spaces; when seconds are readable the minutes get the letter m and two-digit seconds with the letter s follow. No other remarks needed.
7h23
